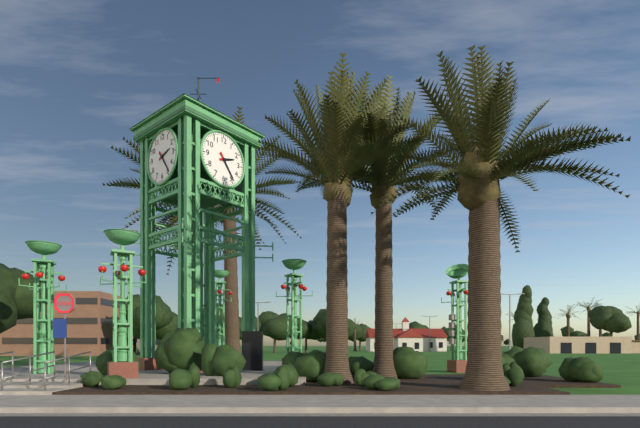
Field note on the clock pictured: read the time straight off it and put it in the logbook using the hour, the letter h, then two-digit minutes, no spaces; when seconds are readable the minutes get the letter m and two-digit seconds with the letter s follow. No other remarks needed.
2h24
